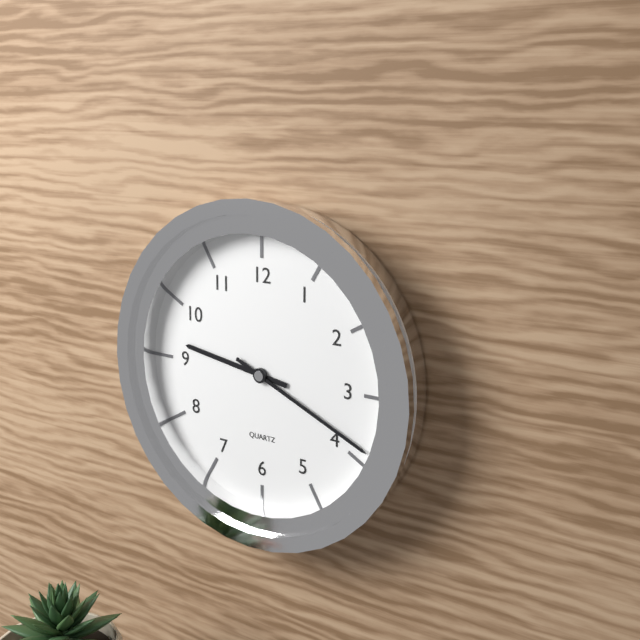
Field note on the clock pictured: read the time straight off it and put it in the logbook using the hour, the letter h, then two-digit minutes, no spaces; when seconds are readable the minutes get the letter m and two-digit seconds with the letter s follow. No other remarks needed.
9h19
